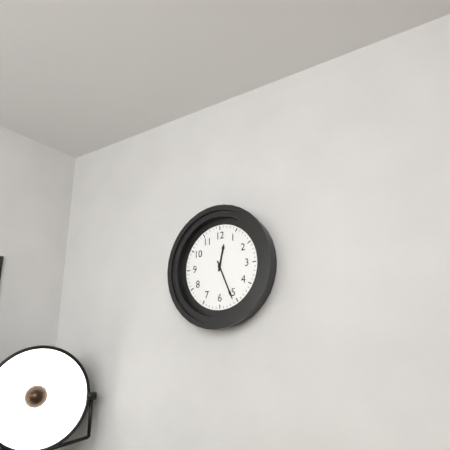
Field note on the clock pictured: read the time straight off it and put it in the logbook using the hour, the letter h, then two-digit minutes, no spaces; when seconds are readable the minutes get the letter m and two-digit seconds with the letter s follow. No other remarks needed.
12h26
